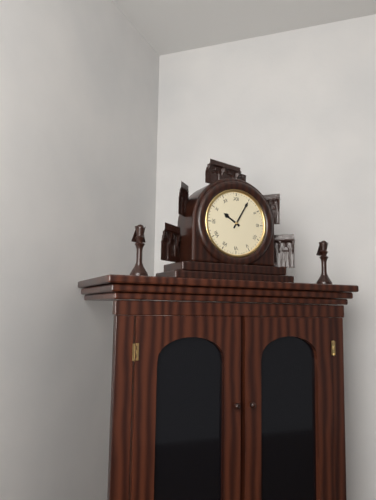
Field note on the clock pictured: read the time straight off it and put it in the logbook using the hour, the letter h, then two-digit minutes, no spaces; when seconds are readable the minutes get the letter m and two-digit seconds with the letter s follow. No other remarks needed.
10h05
